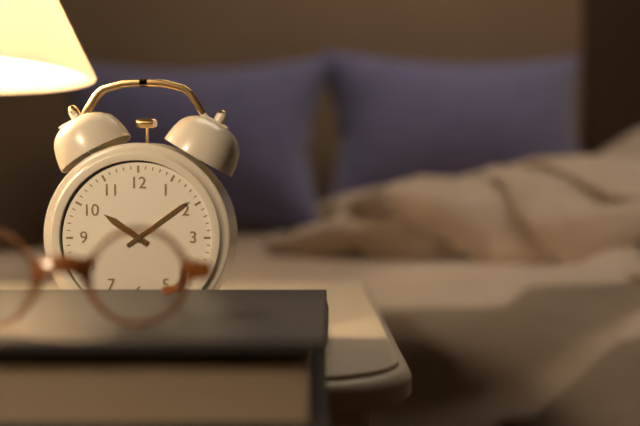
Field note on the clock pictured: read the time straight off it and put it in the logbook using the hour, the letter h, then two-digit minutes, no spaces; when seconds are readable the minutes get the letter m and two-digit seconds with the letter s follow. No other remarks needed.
10h09
